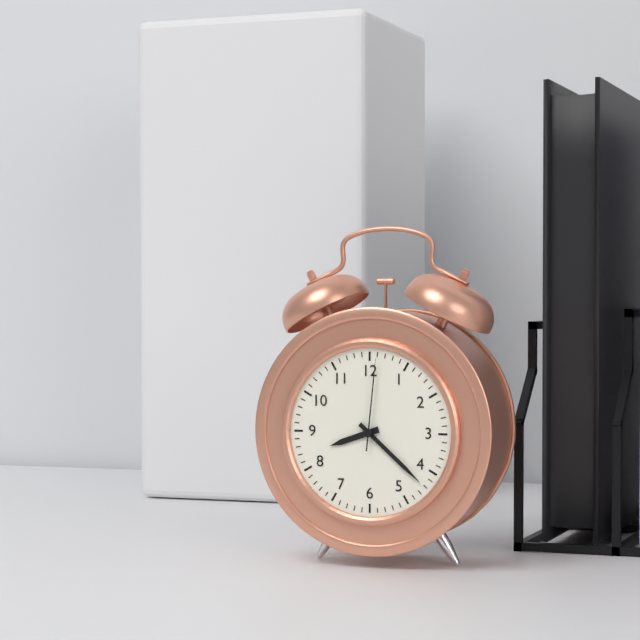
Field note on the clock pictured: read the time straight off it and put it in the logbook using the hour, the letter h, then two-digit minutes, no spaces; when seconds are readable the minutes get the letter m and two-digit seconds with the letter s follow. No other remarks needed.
8h22m01s
